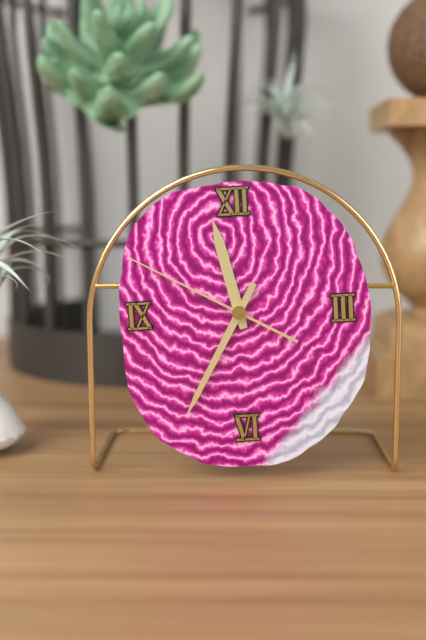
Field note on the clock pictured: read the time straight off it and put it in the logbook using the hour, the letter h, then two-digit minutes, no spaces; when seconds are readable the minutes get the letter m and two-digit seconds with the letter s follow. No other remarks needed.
11h35m50s
